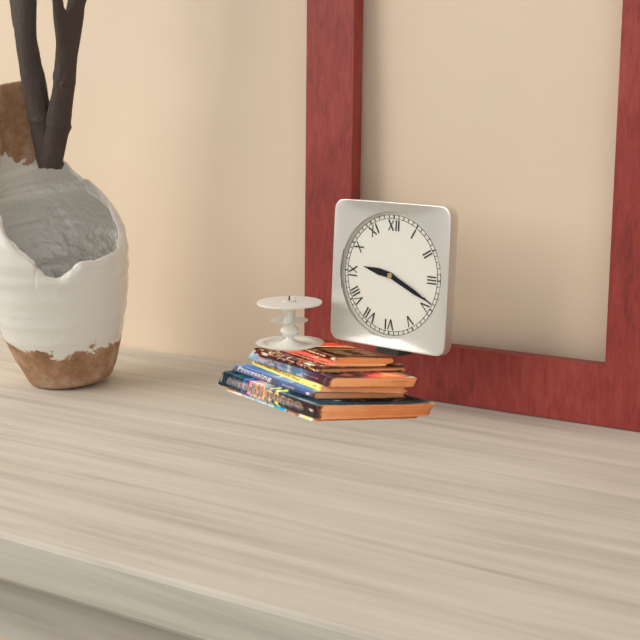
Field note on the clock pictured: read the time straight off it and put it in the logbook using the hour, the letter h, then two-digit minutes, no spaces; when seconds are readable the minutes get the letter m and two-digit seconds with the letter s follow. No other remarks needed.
9h19
